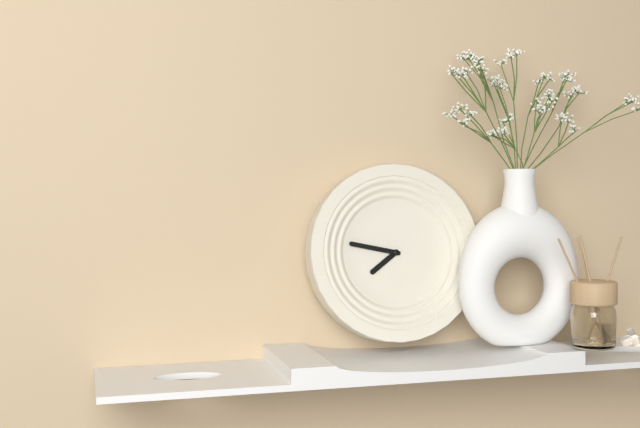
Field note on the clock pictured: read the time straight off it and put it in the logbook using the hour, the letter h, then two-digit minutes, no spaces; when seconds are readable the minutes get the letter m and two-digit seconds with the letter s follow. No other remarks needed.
7h47
